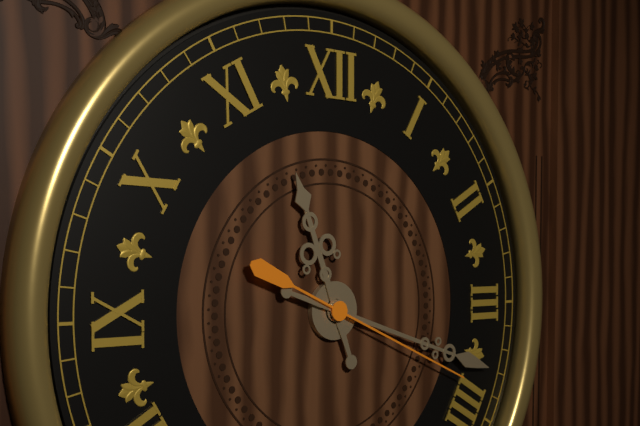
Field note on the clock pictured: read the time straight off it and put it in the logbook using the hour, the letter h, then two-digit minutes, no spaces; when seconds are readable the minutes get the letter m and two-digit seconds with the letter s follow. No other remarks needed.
11h18m19s
